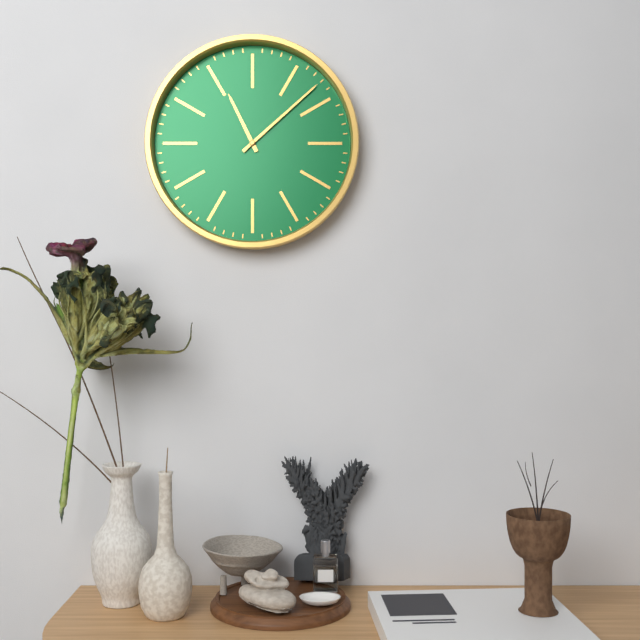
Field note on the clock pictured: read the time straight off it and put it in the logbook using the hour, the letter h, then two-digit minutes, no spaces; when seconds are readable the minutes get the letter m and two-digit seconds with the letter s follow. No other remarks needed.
11h08
